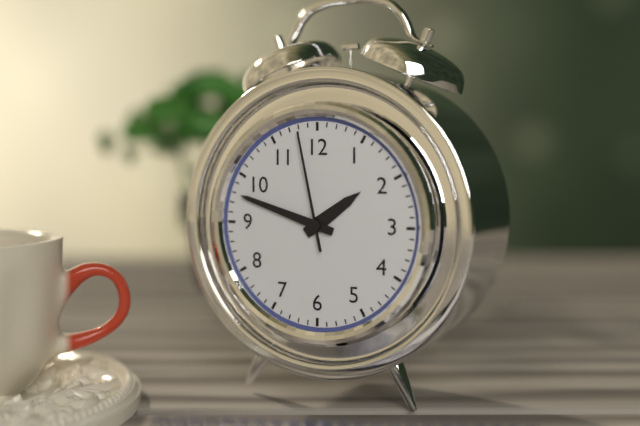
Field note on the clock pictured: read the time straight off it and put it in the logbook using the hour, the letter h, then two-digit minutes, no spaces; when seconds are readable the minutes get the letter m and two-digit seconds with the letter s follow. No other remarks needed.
1h48m58s
